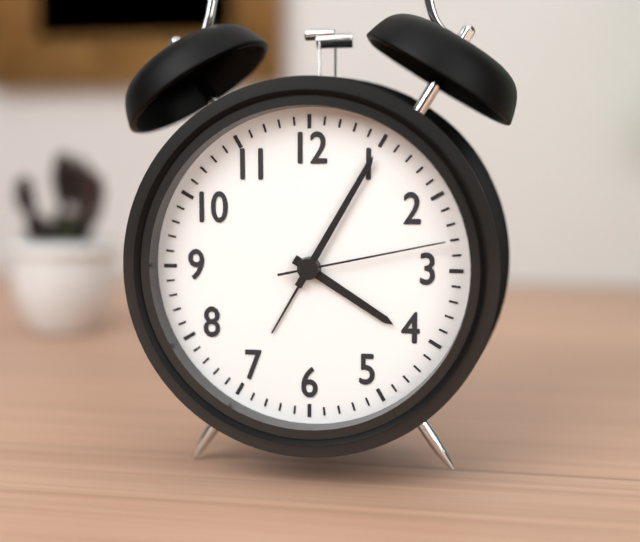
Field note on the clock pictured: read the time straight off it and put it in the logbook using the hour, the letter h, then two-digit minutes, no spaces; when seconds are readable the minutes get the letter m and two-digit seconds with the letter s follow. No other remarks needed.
4h05m13s
